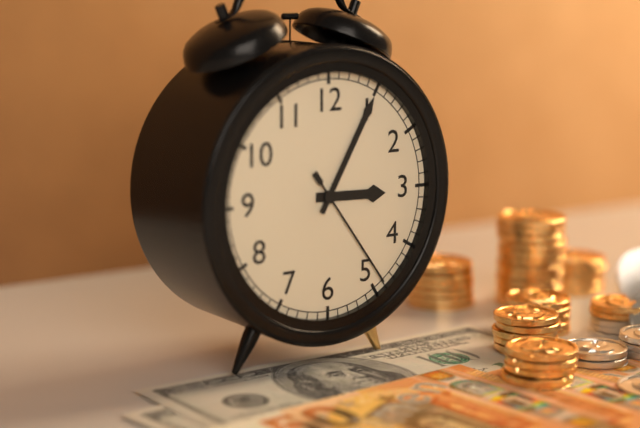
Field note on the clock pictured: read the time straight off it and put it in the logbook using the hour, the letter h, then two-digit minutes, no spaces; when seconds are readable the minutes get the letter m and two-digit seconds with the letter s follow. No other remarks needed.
3h05m24s
